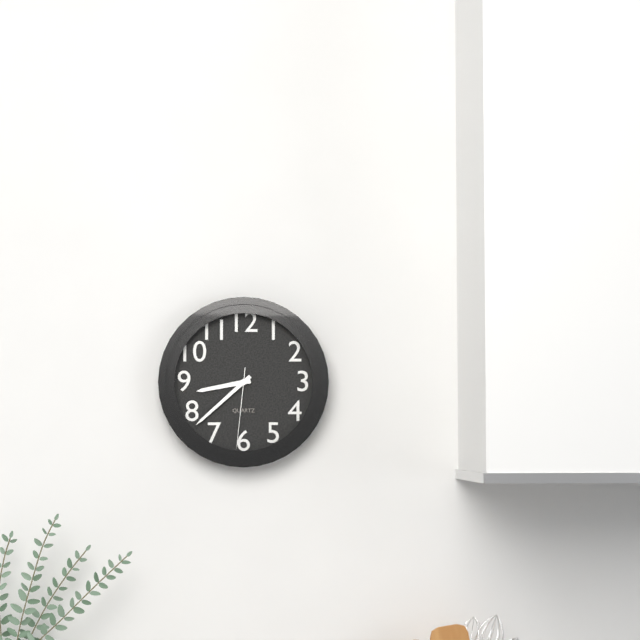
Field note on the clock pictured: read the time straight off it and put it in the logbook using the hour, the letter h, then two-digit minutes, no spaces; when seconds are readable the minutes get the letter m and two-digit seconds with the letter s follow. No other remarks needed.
8h38m31s
